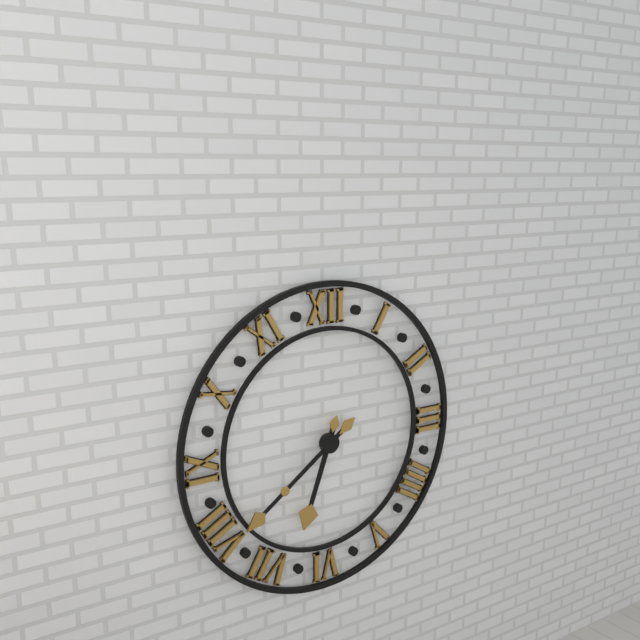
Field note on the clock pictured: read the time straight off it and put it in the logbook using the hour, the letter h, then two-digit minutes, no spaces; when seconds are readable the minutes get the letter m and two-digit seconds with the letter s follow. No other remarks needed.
6h39
